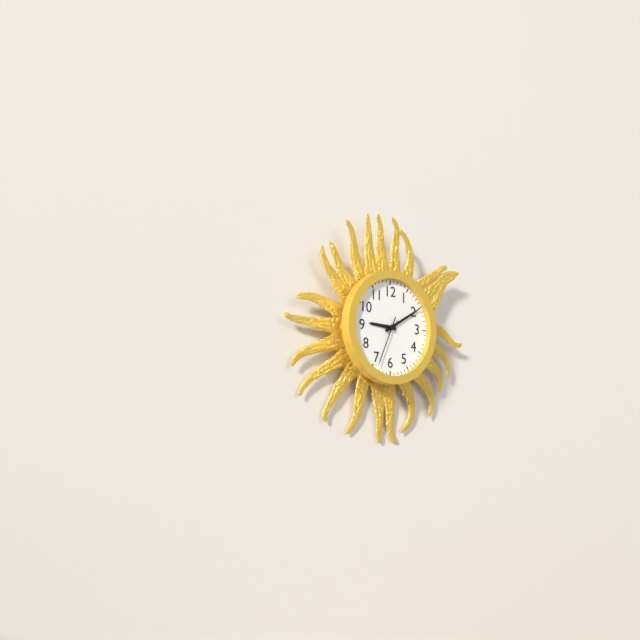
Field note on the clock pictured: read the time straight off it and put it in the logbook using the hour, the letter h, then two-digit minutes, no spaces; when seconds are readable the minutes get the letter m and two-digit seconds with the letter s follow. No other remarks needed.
9h10
